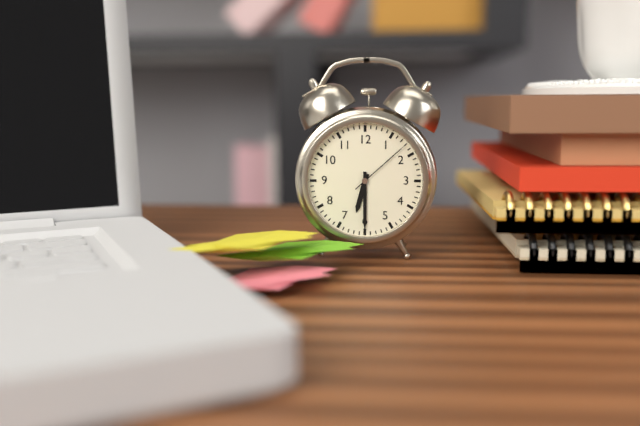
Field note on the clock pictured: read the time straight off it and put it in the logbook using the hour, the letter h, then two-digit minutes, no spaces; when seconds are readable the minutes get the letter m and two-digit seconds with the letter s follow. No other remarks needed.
6h30m08s
